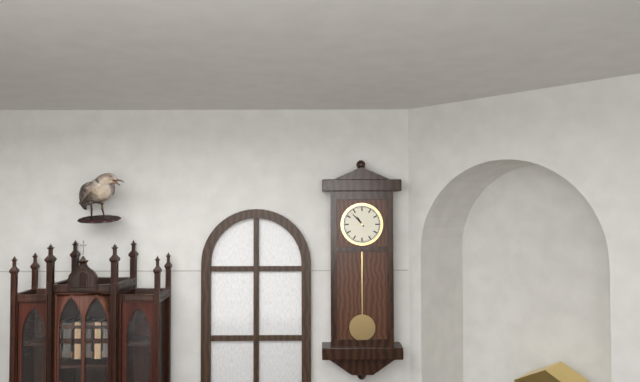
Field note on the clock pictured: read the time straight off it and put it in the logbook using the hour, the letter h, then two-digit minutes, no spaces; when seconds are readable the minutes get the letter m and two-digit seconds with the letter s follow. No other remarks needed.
10h53
